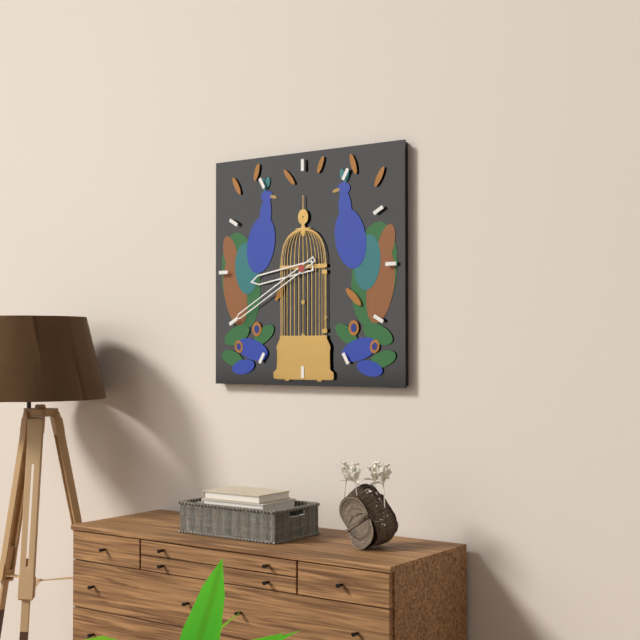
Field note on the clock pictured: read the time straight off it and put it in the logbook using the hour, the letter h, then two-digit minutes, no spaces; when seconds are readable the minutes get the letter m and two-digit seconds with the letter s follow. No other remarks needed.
8h40
